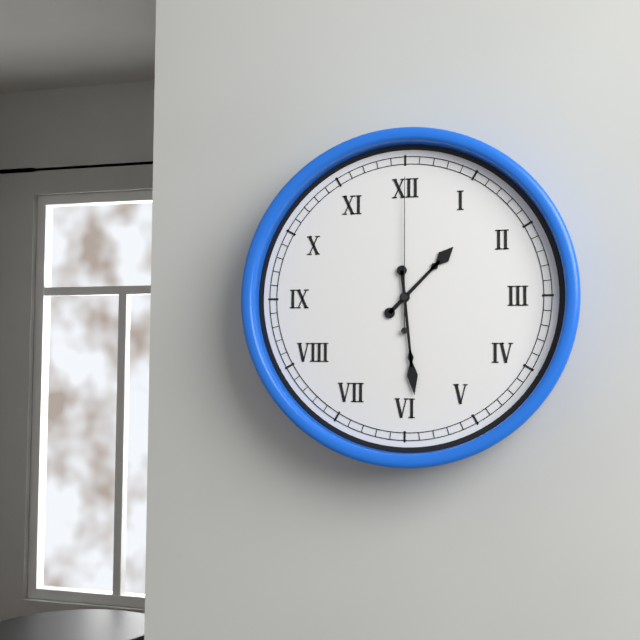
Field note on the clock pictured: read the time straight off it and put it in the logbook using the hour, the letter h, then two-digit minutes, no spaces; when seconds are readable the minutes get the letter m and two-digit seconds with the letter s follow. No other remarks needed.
1h29m00s
